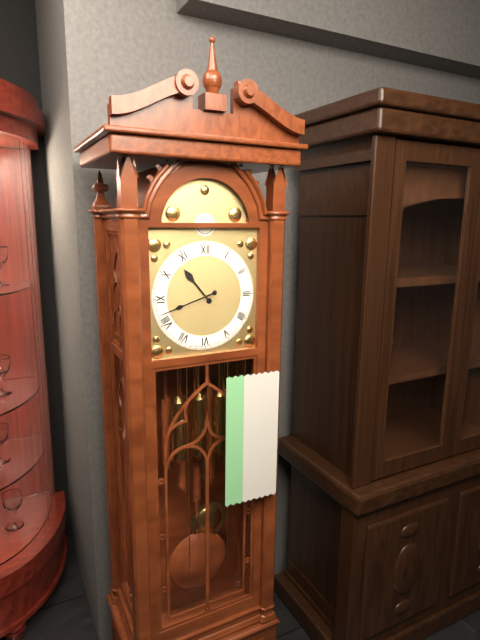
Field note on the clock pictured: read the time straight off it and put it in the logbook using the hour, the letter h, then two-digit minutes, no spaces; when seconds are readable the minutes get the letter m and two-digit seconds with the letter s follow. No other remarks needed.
10h42
